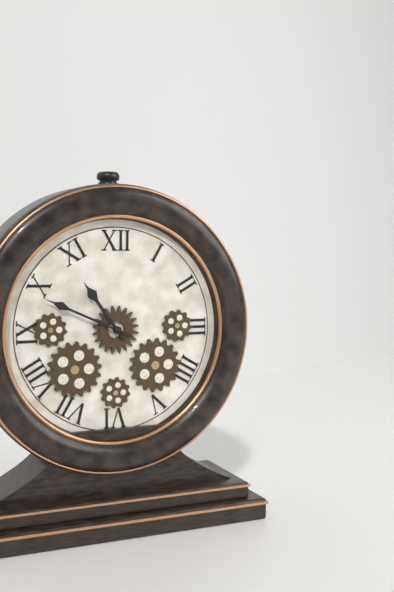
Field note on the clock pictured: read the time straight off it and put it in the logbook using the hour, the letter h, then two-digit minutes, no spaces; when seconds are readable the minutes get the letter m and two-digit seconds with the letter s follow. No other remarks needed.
10h49
